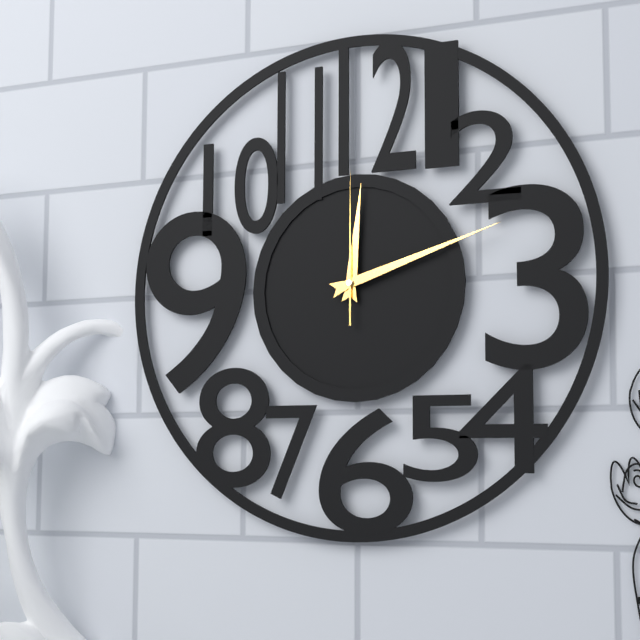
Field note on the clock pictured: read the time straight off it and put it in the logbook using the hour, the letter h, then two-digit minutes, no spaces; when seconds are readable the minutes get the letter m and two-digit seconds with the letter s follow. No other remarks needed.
12h12m00s
